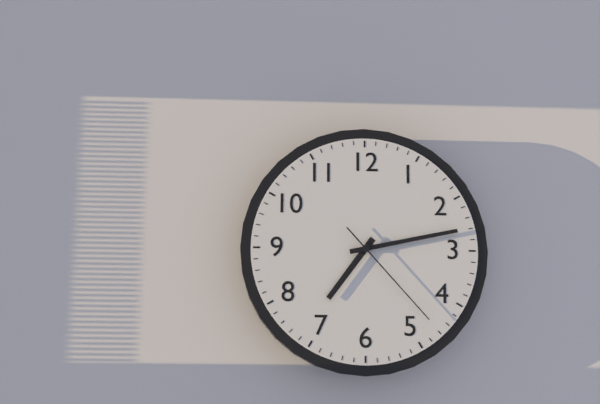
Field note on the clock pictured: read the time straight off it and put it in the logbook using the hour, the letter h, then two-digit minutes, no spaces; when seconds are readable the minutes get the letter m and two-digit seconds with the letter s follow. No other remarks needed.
7h13m23s
